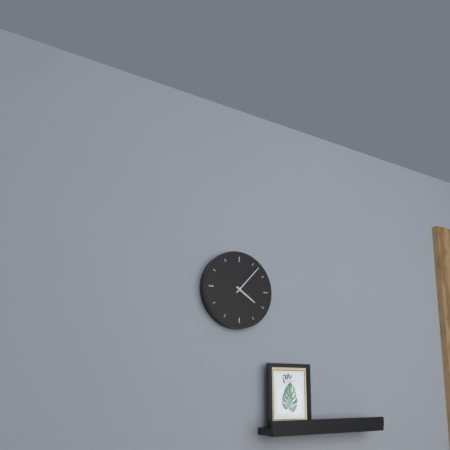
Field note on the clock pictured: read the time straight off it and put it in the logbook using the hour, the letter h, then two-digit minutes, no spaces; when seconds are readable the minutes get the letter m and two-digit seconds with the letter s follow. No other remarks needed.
4h07
